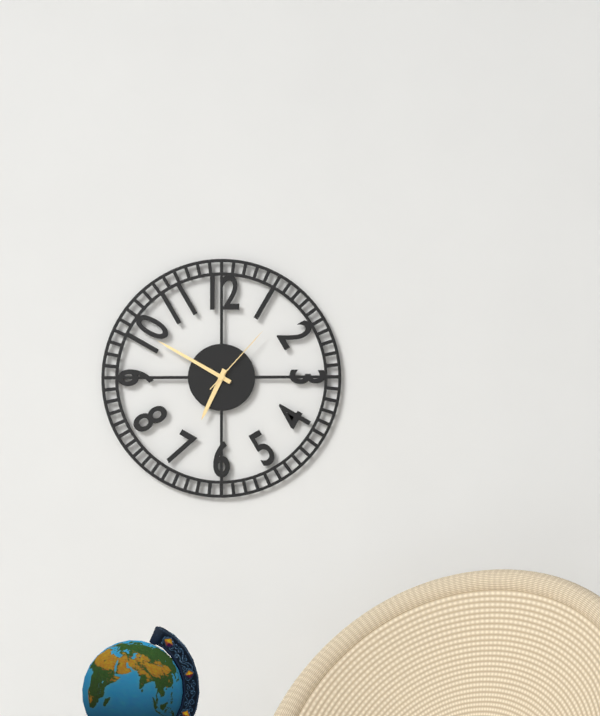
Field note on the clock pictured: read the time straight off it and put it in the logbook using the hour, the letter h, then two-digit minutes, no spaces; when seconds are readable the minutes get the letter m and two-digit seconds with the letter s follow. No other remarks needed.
6h50m07s
